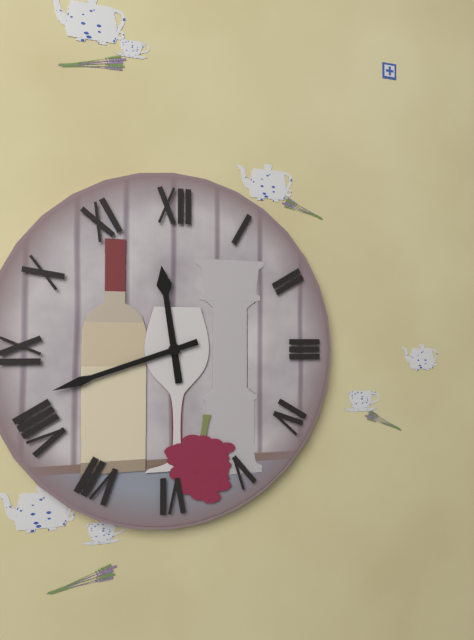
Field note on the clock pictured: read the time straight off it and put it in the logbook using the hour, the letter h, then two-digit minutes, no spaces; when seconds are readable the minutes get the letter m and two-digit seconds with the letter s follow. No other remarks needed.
11h42
